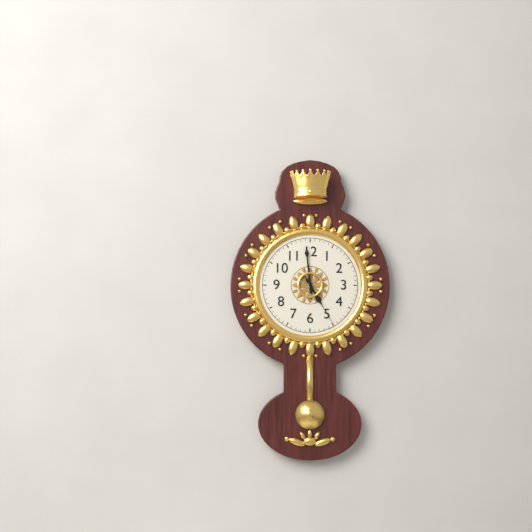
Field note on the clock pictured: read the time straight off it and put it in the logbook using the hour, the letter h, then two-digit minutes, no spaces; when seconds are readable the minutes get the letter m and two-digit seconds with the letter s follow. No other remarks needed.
4h59m25s
